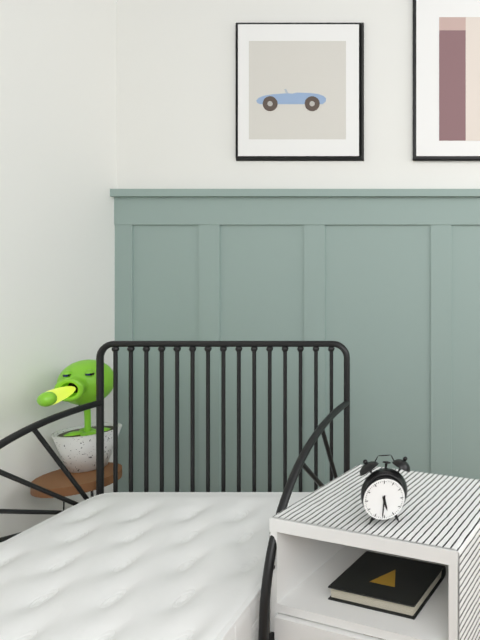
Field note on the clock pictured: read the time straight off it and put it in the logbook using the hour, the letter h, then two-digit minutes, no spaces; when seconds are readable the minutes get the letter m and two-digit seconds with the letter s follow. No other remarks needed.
5h31
